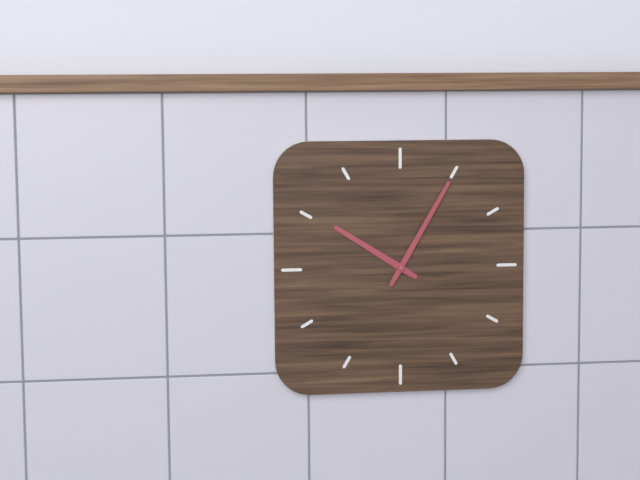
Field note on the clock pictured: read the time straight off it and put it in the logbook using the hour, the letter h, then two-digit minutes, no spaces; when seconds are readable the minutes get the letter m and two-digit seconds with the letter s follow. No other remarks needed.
10h05
